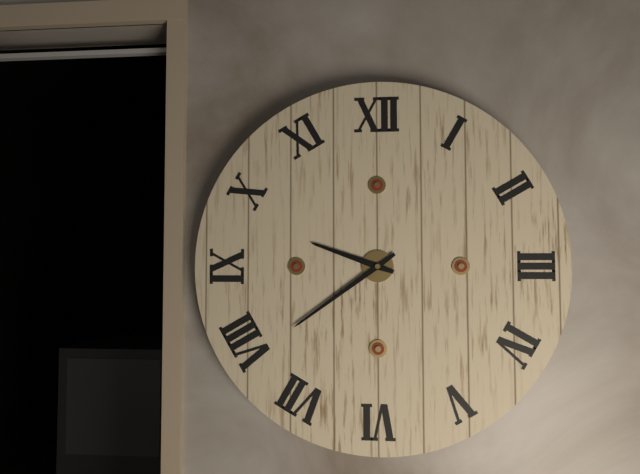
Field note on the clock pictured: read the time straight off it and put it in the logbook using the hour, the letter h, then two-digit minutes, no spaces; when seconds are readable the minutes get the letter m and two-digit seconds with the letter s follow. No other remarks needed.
9h39
